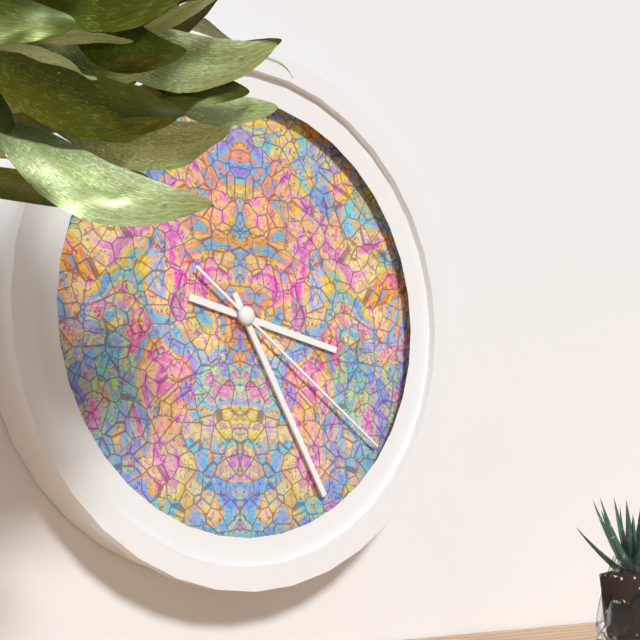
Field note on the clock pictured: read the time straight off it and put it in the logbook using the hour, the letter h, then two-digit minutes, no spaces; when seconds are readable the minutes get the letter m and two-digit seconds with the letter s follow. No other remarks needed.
3h25m21s
